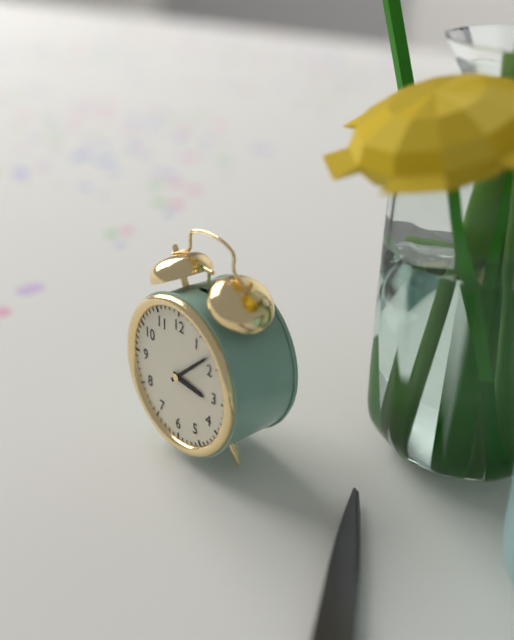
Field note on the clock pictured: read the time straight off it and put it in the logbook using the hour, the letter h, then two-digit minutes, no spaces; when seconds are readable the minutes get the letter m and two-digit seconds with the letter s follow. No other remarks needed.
3h08
